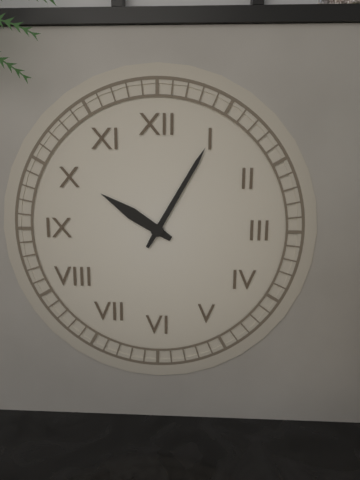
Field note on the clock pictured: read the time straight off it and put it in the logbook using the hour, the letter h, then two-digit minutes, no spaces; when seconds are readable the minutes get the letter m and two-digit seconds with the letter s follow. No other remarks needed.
10h05
